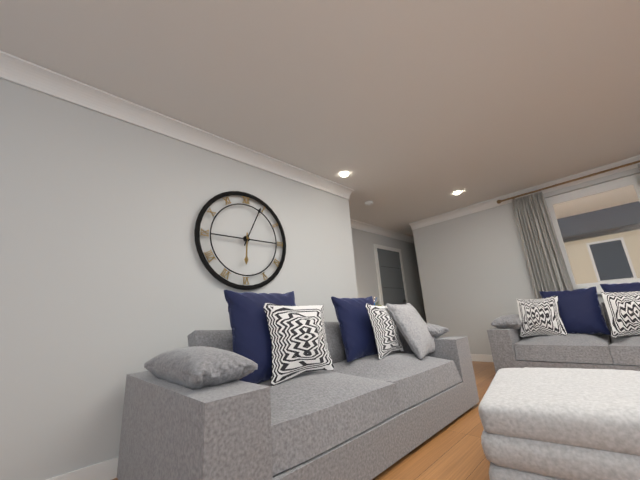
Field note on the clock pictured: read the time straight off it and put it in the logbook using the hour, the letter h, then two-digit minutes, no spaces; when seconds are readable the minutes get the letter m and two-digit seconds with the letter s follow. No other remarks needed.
6h04
